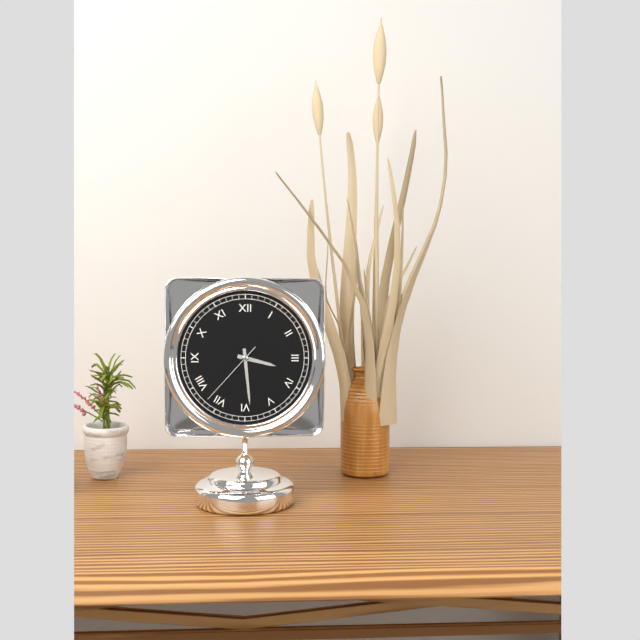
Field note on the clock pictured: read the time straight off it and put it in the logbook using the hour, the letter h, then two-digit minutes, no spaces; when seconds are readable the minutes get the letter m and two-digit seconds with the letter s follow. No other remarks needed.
3h29m37s
